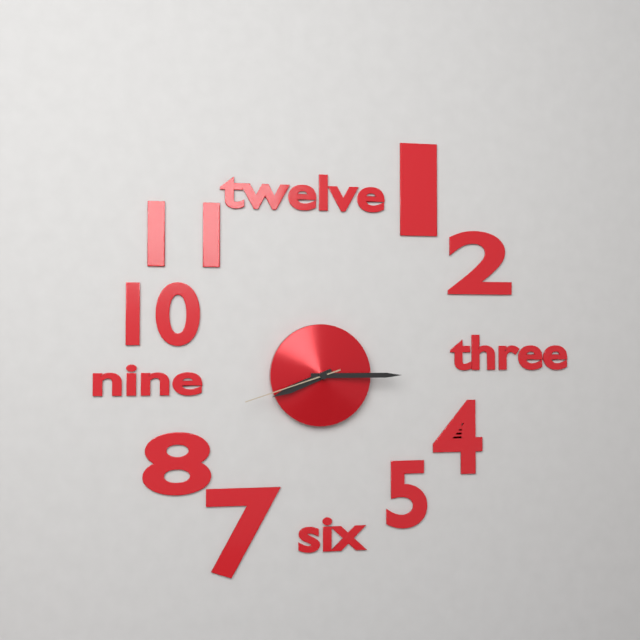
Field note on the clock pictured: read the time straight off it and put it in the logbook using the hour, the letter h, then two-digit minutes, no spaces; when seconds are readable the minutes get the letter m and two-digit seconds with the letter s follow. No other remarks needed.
8h15m42s
